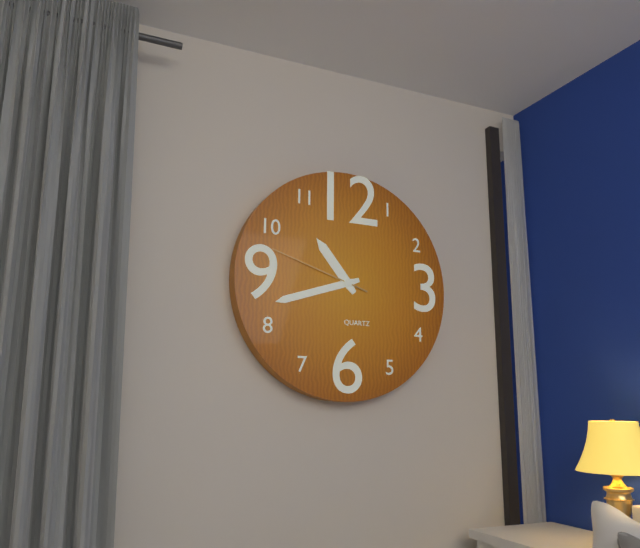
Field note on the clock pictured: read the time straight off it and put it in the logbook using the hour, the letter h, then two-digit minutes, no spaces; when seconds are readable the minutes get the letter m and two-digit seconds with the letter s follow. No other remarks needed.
10h42m48s
